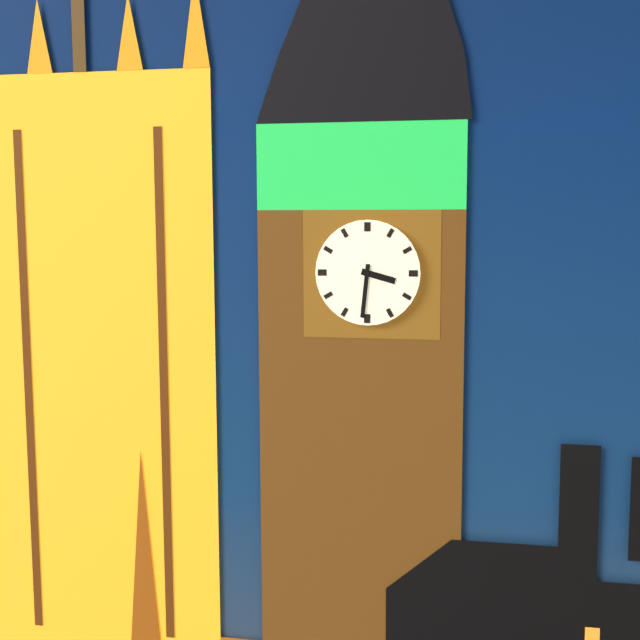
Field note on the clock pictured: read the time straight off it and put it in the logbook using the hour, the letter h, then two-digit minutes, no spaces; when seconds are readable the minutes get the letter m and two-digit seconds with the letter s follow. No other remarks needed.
3h31
